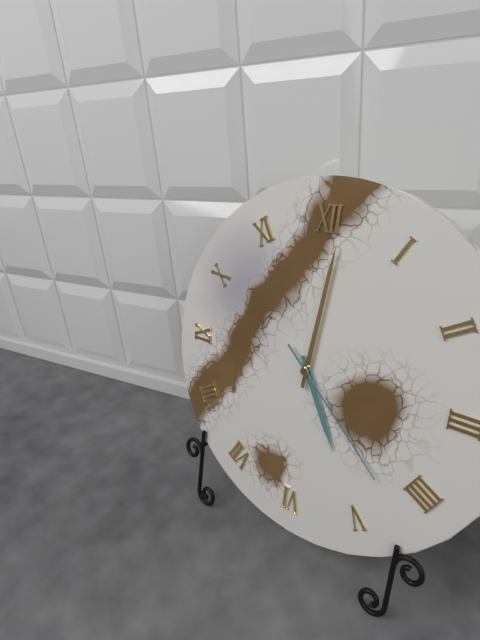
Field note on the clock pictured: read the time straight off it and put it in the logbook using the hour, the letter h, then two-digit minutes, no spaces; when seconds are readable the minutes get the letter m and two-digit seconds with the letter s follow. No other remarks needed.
5h01m22s
